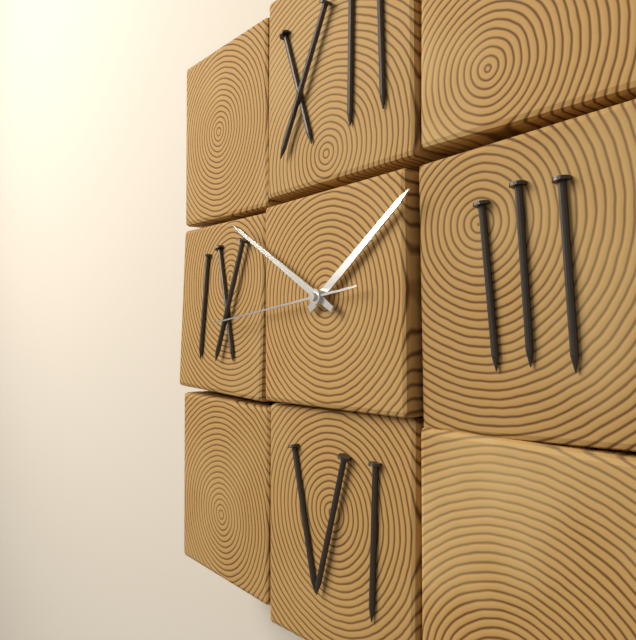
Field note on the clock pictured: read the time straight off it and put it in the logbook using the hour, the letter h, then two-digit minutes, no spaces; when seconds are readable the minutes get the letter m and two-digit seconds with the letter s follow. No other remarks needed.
1h50m44s
